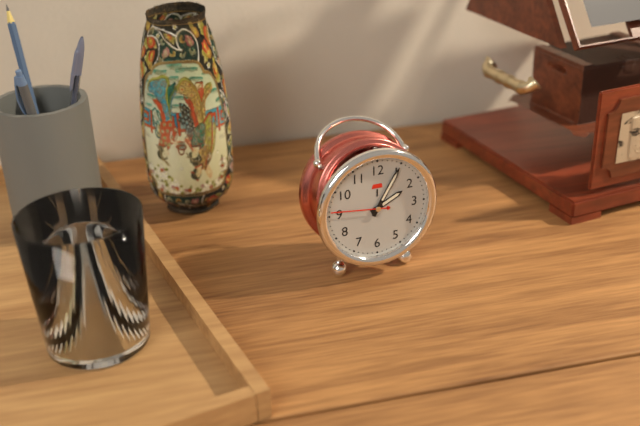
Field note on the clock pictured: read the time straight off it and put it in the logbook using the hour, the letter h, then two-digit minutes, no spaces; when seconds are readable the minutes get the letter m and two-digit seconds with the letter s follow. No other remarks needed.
2h05m46s
